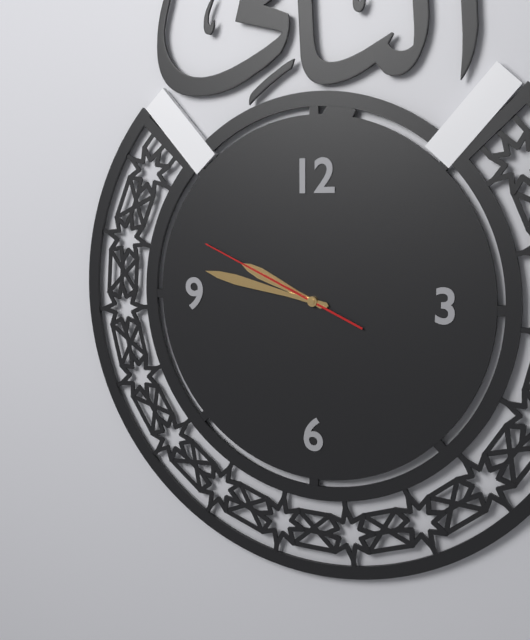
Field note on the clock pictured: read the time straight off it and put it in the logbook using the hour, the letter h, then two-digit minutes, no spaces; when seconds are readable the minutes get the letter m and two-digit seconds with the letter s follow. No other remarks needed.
9h47m49s
